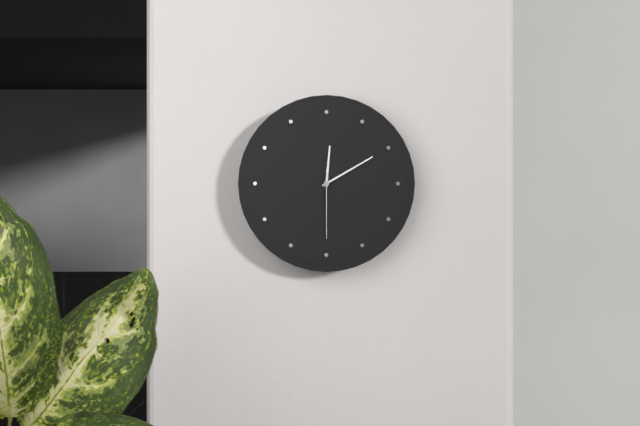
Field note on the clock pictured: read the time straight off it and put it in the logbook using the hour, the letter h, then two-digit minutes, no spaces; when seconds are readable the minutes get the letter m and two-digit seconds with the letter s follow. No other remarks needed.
12h10m30s
